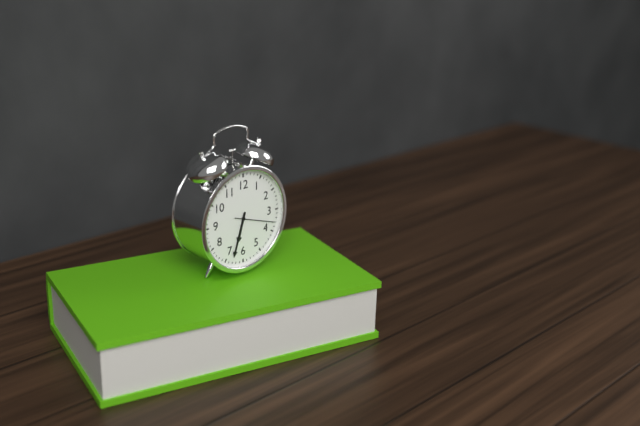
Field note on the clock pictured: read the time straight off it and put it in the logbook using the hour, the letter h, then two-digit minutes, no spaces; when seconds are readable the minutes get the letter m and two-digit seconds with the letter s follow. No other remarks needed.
6h33
